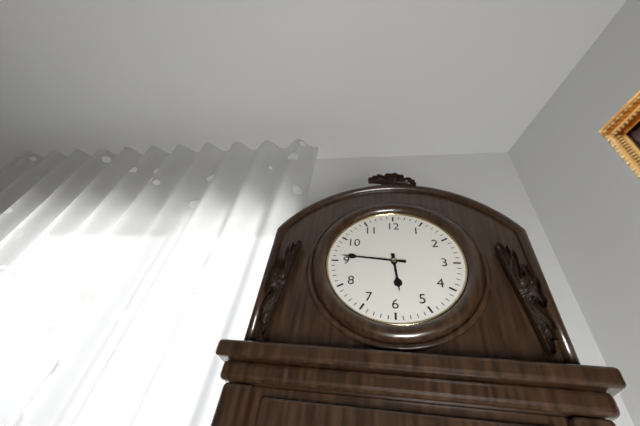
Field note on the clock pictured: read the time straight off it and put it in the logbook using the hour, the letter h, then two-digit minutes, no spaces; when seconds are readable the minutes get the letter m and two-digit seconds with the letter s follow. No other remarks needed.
5h46
